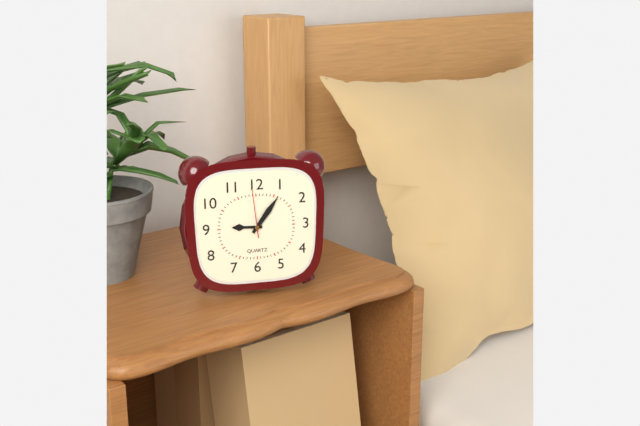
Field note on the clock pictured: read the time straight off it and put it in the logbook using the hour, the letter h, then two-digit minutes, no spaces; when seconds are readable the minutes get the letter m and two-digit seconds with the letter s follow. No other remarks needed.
9h06
